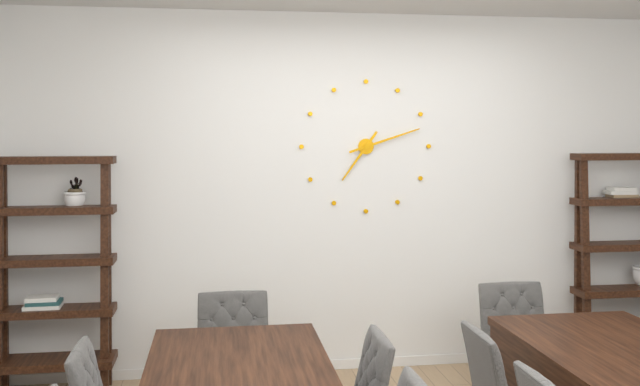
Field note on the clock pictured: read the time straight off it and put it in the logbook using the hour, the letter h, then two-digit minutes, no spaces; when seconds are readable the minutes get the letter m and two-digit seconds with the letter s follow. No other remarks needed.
7h12
